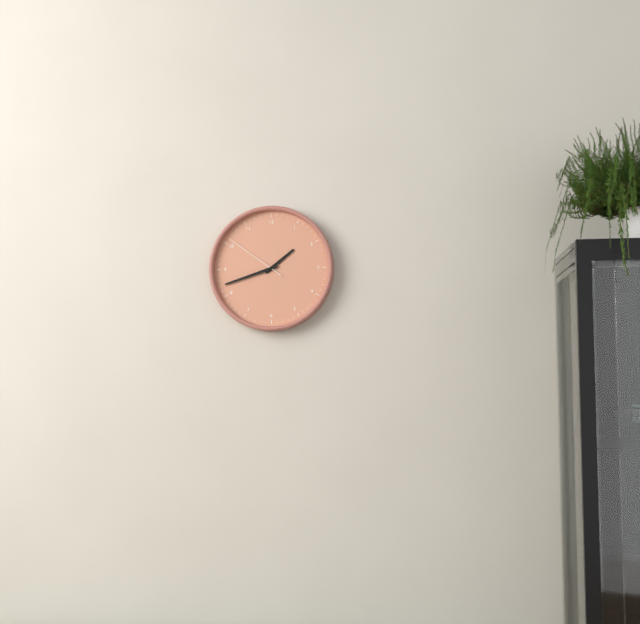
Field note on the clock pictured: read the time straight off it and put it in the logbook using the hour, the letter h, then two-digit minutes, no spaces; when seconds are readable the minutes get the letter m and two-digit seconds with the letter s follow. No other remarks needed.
1h42m51s
